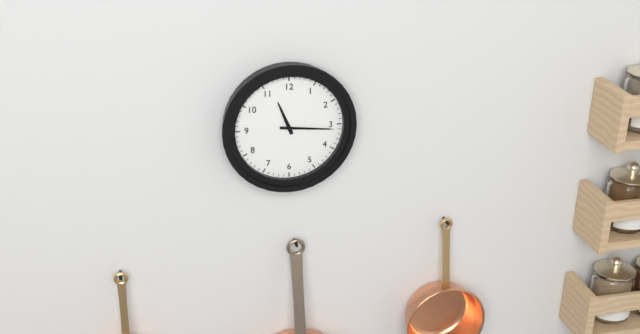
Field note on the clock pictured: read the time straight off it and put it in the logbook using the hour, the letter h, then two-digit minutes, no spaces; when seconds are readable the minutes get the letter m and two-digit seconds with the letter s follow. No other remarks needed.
11h16
